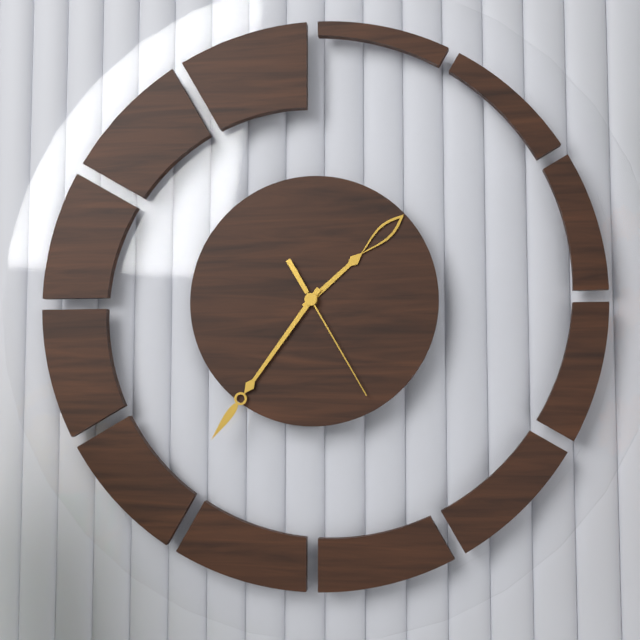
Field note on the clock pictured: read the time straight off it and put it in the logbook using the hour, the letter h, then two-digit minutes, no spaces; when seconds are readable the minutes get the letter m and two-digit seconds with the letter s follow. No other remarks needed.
1h36m25s
